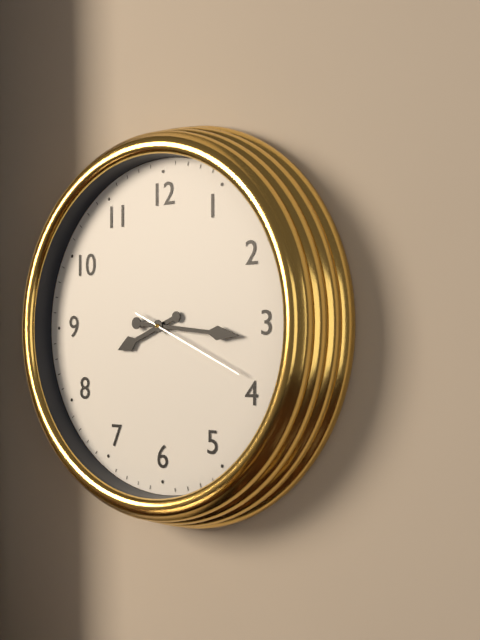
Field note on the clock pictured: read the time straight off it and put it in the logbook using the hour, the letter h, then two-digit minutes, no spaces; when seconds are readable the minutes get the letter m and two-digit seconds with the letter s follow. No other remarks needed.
8h16m19s
